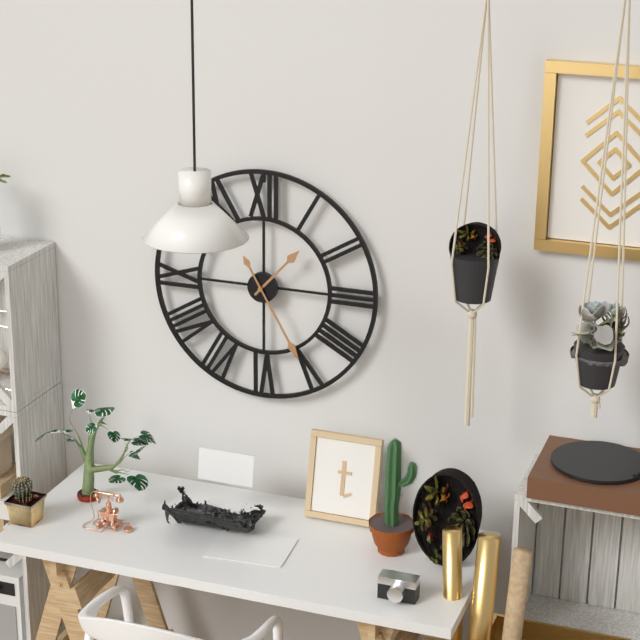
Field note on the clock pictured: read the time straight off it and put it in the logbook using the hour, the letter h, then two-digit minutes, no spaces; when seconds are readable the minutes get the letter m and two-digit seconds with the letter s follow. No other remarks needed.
1h25
